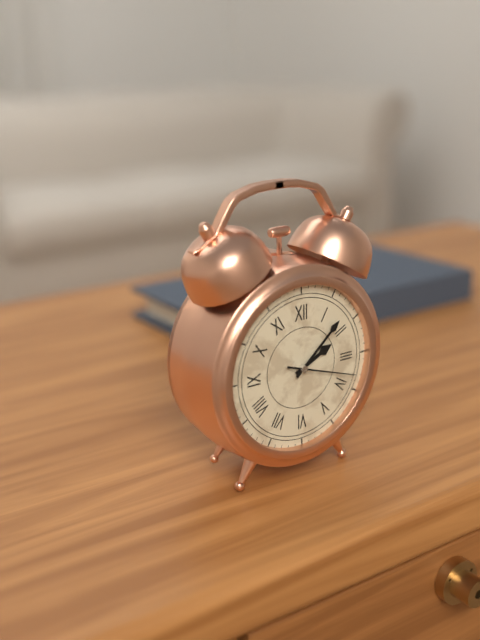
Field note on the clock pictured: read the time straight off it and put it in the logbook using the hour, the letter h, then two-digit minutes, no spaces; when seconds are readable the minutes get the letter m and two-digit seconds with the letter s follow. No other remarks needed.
2h08m18s
